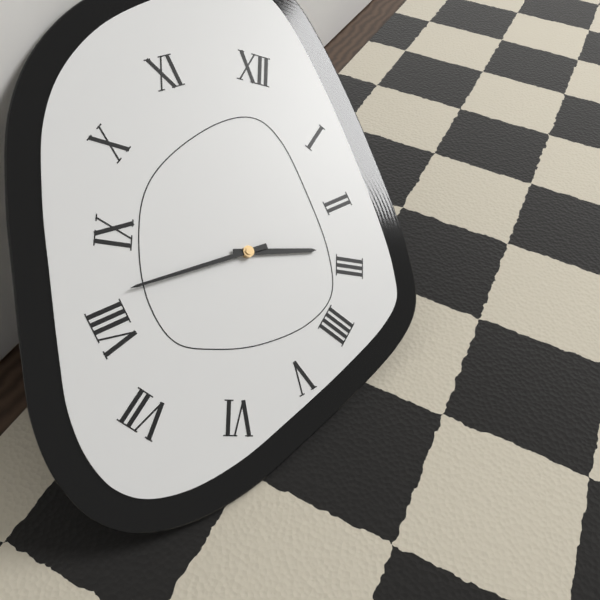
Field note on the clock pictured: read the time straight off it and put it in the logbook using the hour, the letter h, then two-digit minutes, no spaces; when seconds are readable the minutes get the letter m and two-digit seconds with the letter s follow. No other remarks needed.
2h41
